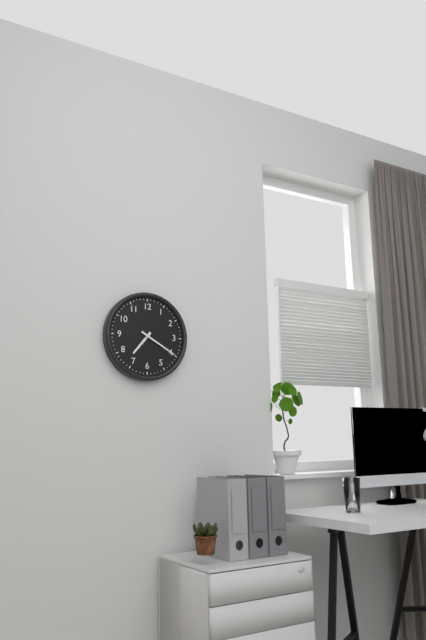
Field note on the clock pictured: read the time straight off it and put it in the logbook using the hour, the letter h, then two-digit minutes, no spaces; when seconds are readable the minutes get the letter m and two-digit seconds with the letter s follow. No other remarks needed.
7h20
